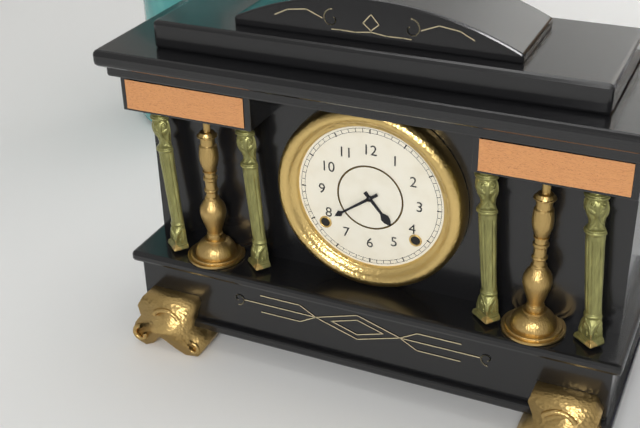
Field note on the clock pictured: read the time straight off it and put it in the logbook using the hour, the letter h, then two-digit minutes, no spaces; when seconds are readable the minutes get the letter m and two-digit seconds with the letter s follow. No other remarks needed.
4h39
